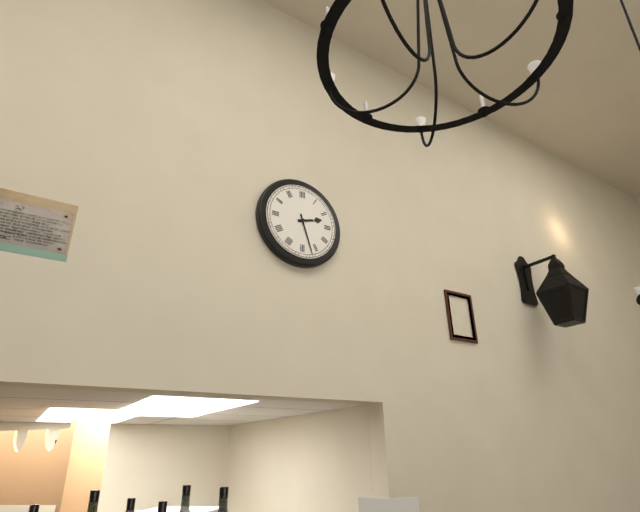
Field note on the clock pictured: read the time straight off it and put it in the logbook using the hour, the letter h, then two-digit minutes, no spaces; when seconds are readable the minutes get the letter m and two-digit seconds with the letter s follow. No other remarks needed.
2h27
